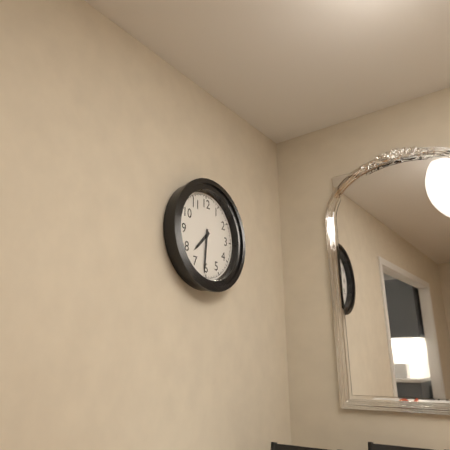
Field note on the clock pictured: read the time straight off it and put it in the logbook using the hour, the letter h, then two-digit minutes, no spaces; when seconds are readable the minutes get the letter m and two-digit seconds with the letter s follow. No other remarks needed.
7h31
